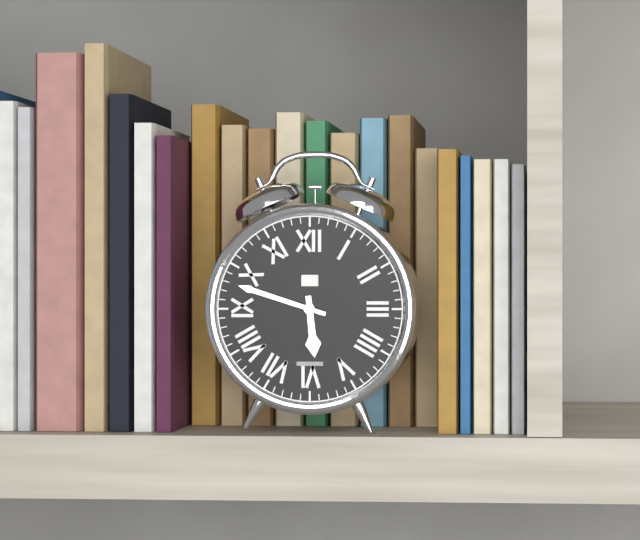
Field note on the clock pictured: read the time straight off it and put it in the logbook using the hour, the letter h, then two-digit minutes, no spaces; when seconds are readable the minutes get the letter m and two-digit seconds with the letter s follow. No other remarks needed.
5h48
